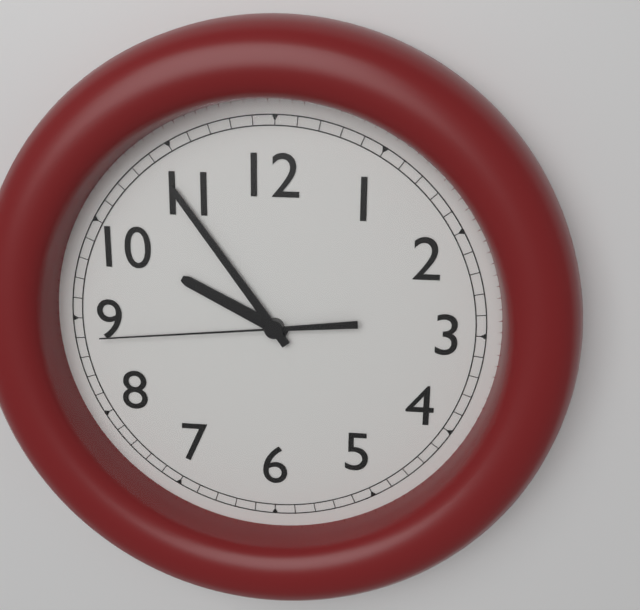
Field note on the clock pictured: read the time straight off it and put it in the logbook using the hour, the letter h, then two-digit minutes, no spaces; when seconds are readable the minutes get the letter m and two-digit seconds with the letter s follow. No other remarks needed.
9h54m44s
